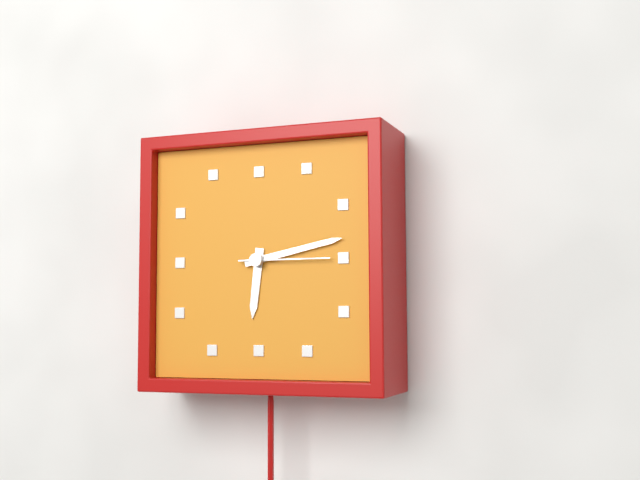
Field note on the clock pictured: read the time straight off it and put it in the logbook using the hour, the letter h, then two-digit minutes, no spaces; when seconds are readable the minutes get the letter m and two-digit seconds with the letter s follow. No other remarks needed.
6h13m15s
